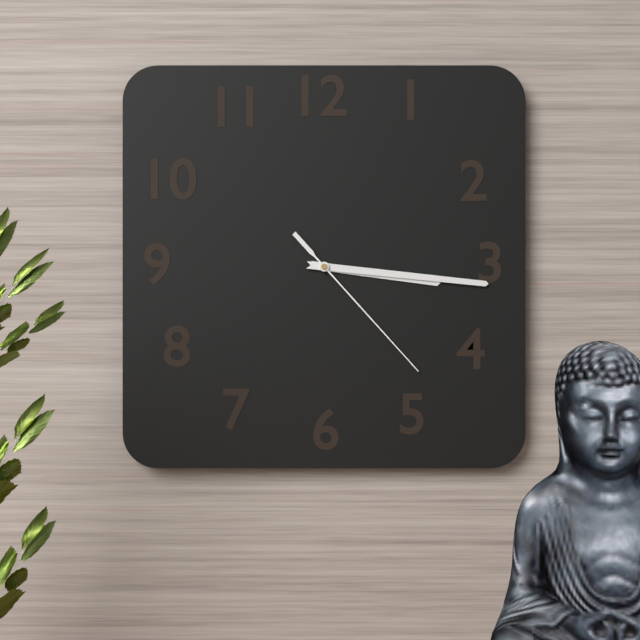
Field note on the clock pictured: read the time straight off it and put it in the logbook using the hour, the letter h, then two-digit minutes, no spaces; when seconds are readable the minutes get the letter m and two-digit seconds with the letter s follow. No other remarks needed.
3h16m23s
